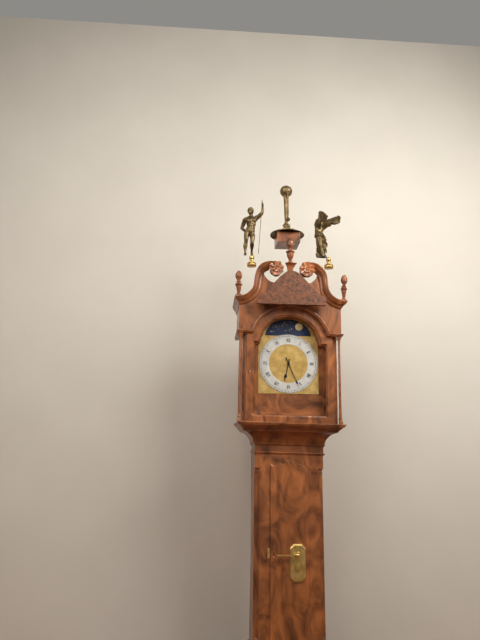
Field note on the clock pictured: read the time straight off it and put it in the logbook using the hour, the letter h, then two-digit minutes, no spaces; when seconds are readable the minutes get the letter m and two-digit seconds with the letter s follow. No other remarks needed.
6h26
